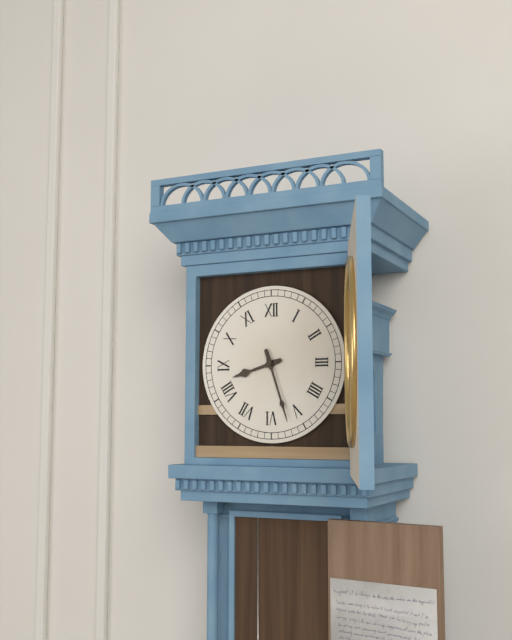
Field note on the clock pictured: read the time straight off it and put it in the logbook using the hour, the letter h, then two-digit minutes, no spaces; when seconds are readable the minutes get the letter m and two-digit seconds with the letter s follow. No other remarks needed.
8h27
